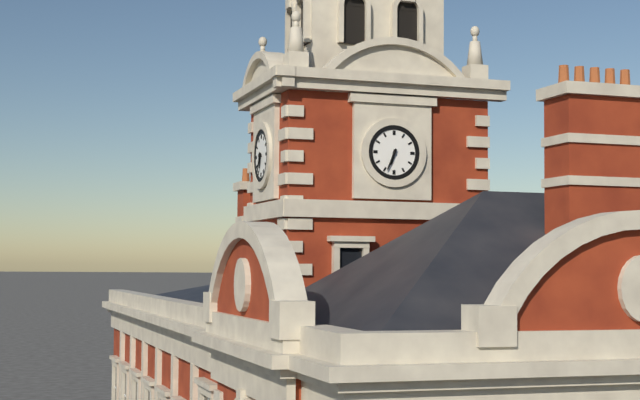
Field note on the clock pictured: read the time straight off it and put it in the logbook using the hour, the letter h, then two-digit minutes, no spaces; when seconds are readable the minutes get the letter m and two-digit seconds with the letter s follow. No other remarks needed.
6h34
